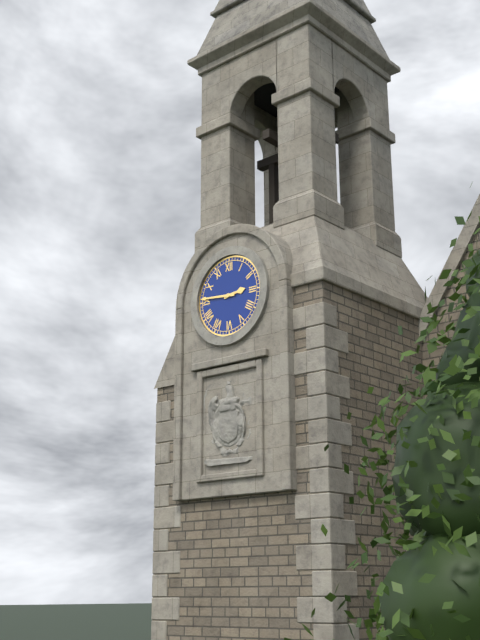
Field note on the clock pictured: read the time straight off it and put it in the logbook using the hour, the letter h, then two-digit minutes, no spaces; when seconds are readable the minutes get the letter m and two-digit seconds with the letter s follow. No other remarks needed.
2h46
